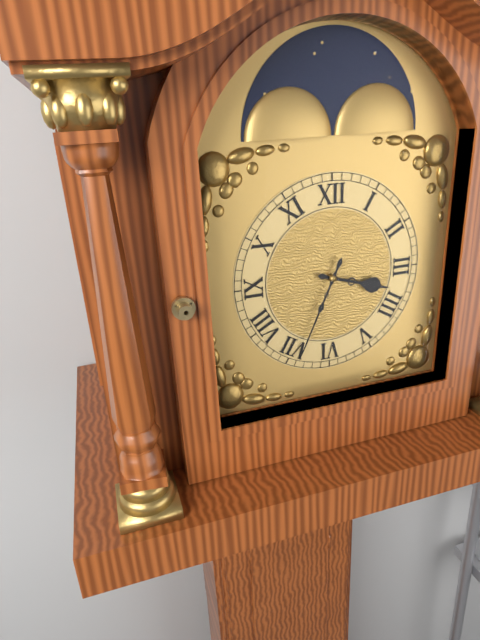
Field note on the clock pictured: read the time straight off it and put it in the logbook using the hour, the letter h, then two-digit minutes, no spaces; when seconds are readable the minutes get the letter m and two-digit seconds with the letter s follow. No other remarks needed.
3h34
